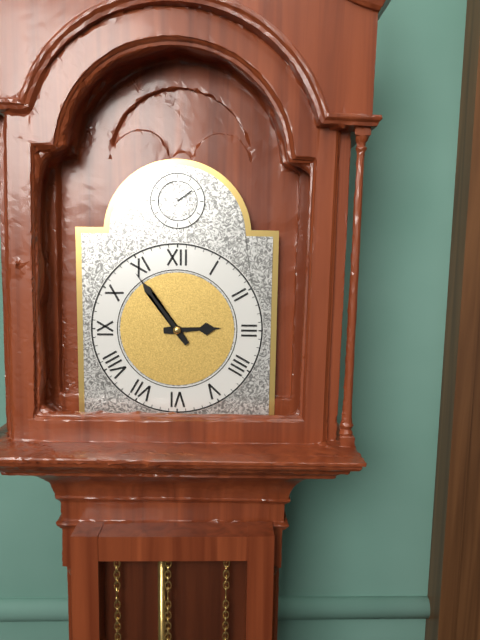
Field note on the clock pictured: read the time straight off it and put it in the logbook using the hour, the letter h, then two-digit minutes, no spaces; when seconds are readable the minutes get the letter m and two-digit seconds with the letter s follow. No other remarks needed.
2h54
